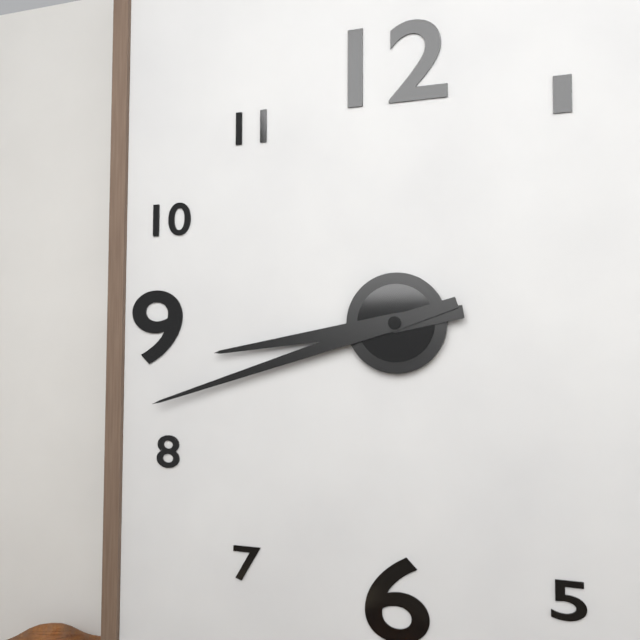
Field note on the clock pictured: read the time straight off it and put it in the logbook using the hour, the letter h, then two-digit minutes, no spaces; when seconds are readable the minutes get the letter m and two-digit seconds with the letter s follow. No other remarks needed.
8h42
